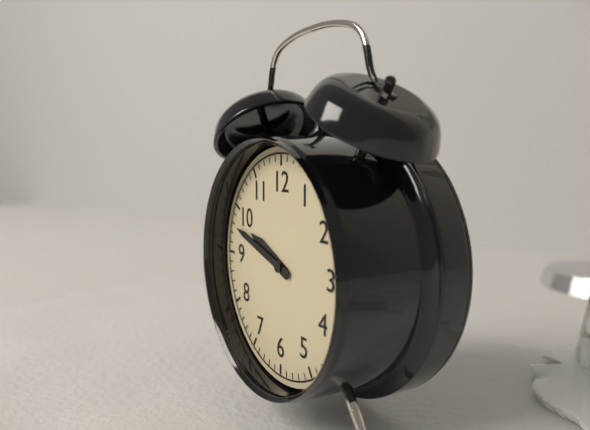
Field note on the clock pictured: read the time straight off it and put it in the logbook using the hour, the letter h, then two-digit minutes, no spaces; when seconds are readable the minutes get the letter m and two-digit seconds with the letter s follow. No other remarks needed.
9h48
